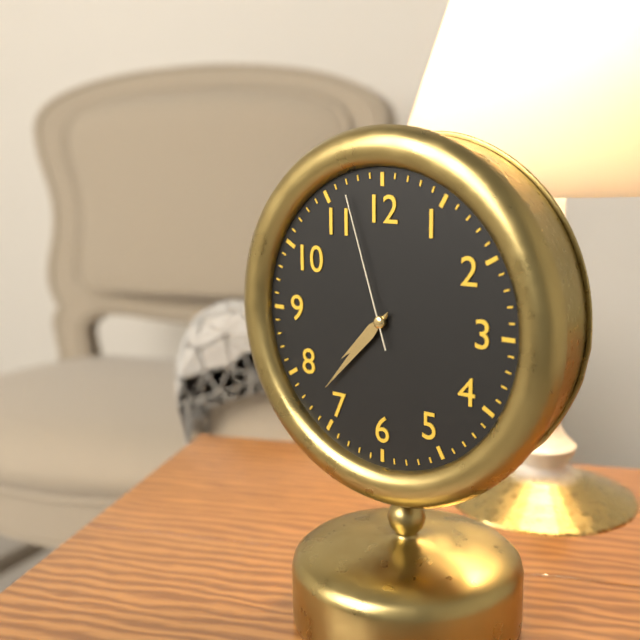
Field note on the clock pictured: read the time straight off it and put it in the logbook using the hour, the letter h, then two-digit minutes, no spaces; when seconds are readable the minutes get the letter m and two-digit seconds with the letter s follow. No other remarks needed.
7h37m57s
